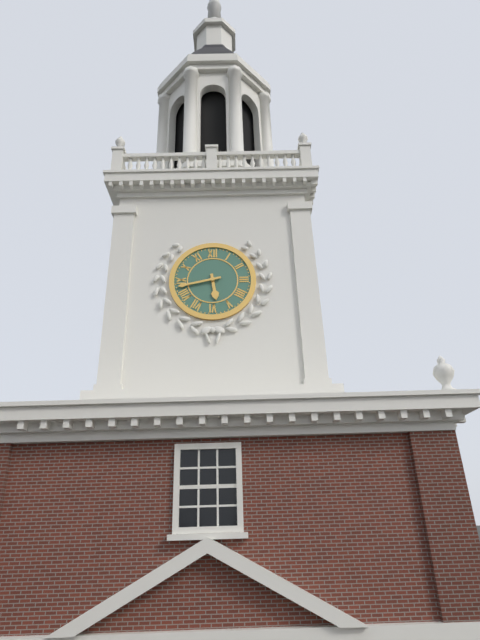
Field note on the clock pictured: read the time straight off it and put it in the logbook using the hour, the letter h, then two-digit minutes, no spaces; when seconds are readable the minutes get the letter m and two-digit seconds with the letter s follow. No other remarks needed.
5h43
